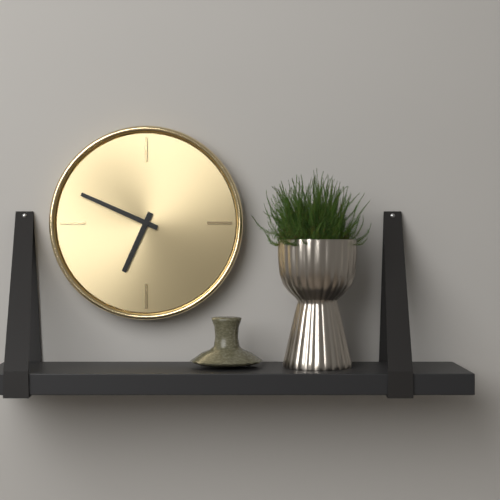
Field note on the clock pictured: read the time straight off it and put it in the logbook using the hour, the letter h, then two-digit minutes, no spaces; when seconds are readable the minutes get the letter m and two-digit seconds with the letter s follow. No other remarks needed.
6h49
